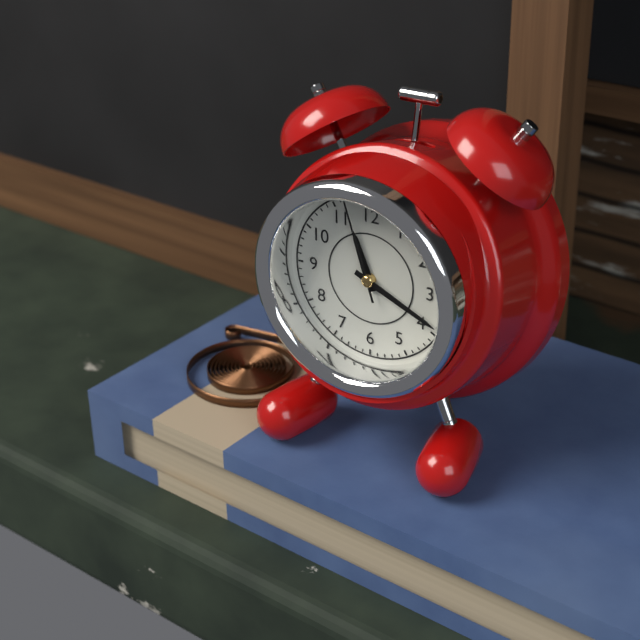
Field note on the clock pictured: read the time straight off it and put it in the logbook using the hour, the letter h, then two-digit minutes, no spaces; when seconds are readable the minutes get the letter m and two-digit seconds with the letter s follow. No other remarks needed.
11h19m57s
